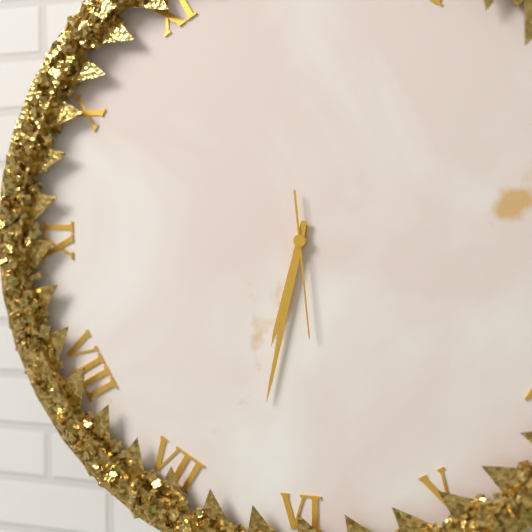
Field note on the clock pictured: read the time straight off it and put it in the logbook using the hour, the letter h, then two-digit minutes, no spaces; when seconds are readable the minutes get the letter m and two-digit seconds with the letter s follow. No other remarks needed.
6h32m29s
